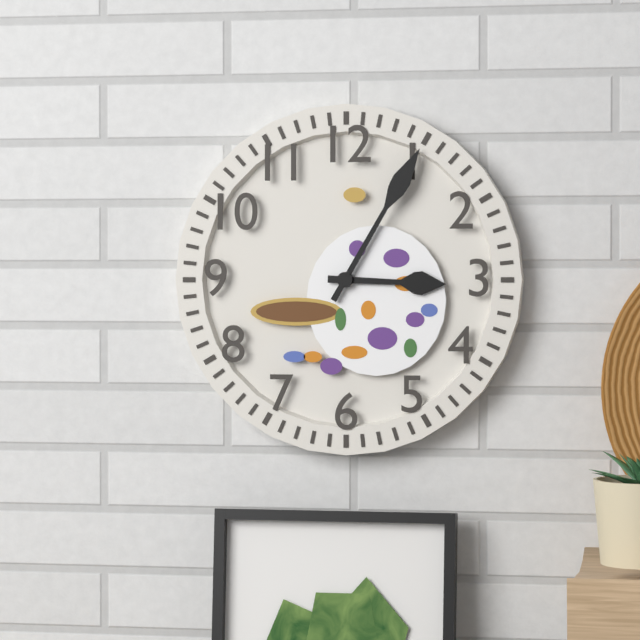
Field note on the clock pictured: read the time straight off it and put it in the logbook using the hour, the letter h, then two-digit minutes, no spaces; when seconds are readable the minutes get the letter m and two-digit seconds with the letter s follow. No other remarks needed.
3h05
